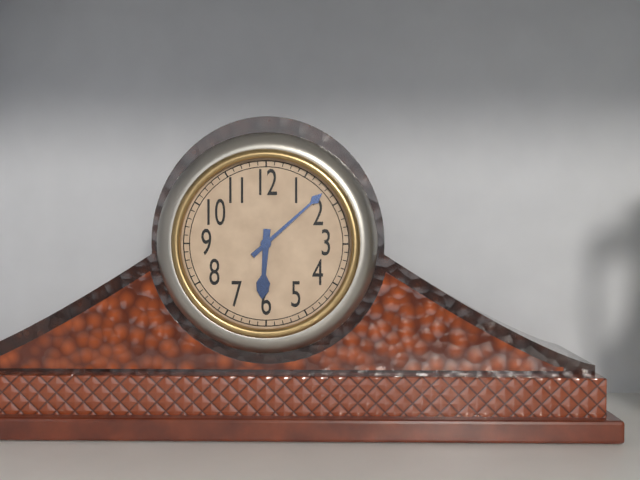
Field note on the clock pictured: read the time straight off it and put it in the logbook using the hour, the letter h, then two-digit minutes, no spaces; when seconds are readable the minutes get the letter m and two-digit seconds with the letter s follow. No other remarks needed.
6h08
